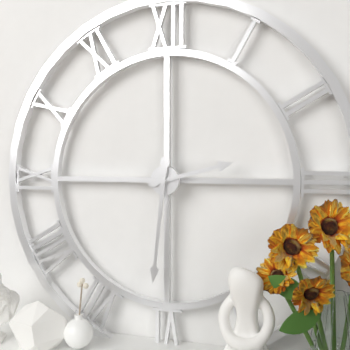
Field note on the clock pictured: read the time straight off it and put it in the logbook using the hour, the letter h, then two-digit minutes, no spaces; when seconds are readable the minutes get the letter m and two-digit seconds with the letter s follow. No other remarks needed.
2h31
